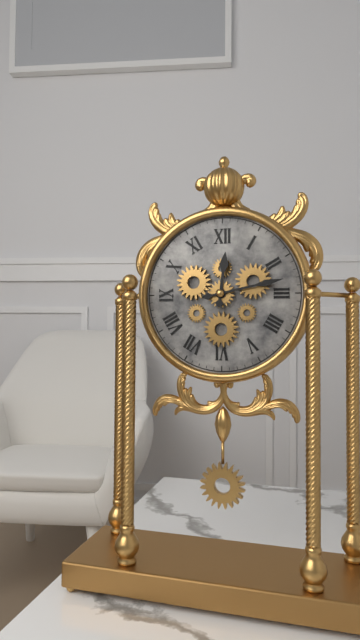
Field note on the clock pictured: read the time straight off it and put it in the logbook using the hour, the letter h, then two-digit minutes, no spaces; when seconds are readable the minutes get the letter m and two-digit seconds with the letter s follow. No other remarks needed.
12h13
